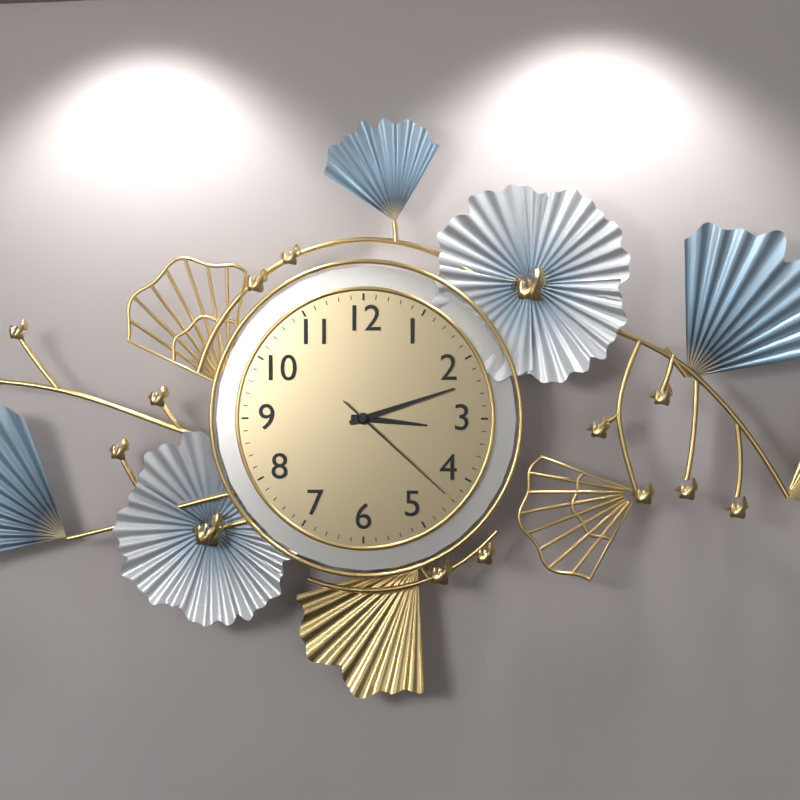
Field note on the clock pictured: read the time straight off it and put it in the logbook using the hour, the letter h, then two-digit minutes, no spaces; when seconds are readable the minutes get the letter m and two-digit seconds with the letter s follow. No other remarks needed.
3h12m22s
